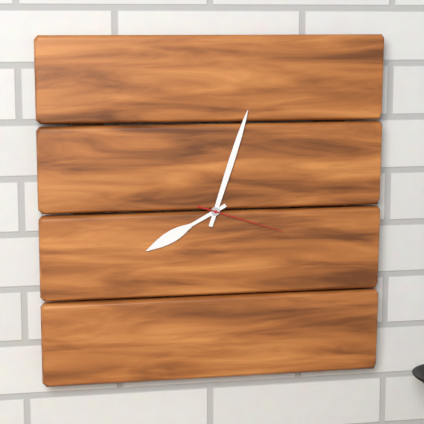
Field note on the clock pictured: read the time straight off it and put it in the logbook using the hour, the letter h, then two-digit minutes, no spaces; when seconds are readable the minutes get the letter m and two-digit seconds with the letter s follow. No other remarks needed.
8h03m18s
